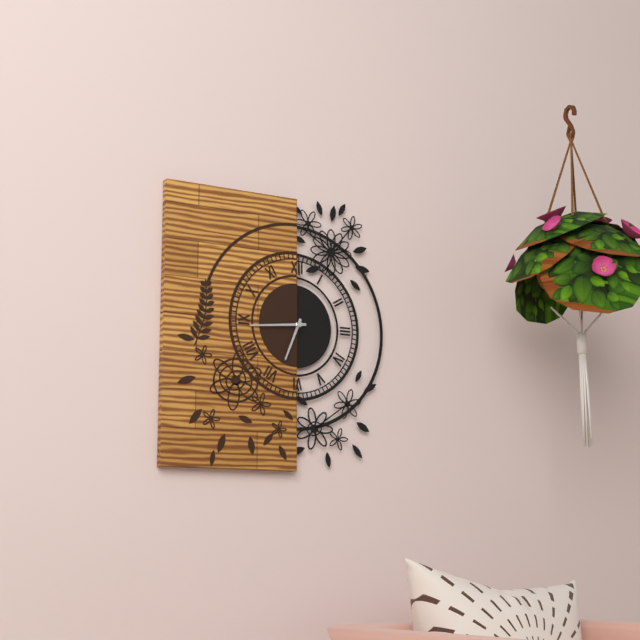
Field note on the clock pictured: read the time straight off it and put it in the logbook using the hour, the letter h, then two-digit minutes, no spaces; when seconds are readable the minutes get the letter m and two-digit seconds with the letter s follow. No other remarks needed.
6h44
